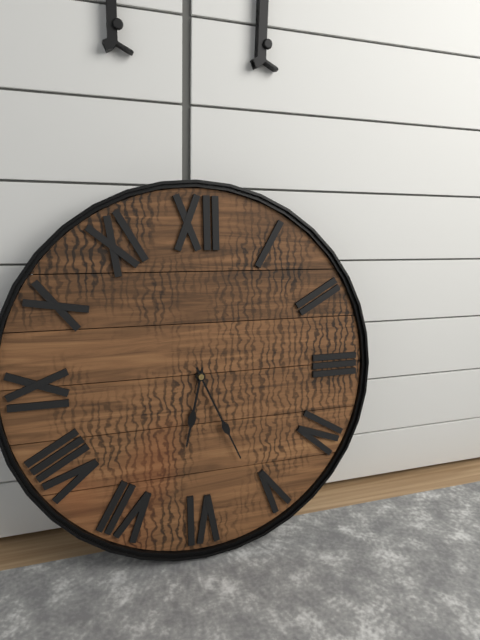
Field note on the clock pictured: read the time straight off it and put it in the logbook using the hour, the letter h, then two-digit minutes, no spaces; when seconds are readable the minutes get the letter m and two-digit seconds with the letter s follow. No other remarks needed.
6h26
